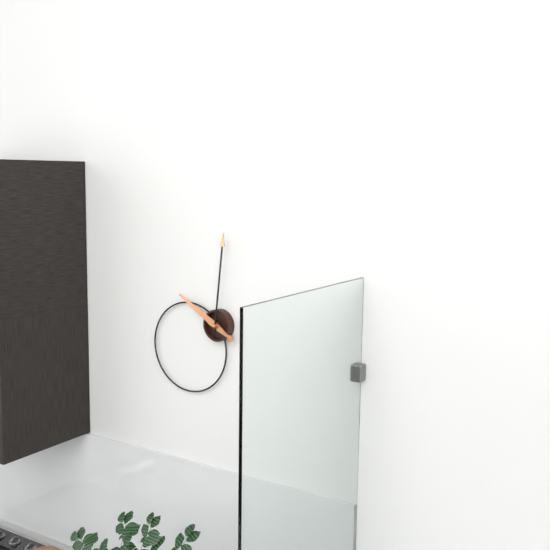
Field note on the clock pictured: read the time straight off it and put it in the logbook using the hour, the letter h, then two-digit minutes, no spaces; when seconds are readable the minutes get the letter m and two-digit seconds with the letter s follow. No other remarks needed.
10h01
